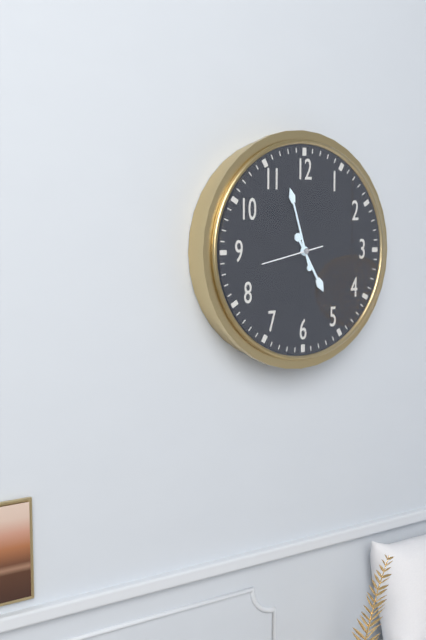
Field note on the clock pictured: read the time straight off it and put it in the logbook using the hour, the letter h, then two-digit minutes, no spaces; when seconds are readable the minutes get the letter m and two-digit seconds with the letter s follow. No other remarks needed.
4h57m43s
